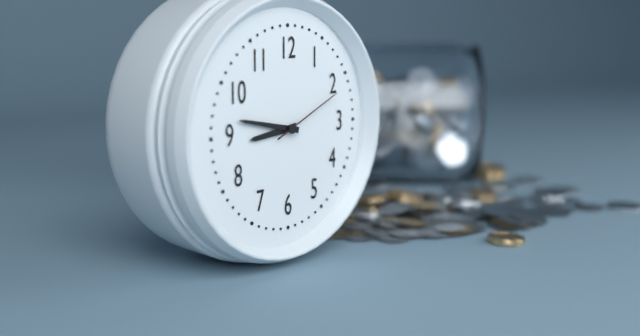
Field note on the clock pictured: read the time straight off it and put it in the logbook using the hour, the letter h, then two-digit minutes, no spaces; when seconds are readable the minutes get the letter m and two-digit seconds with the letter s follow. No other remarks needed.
8h47m11s
